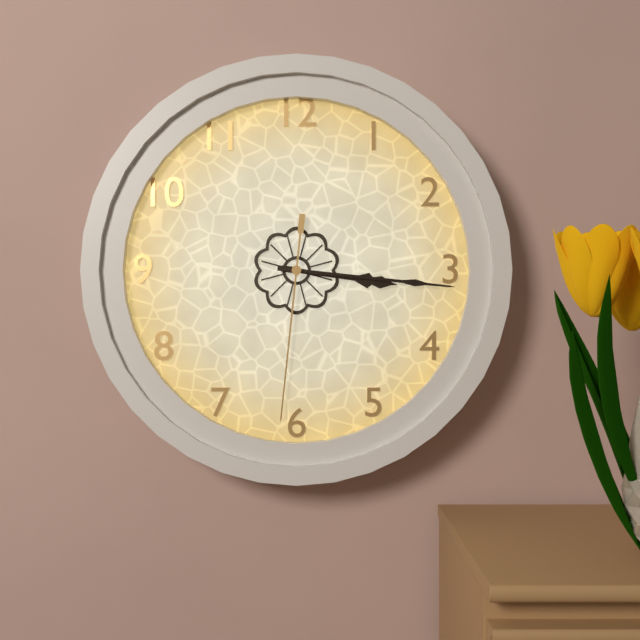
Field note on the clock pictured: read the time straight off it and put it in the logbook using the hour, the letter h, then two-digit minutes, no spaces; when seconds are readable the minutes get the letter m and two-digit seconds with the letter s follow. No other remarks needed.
3h16m31s
